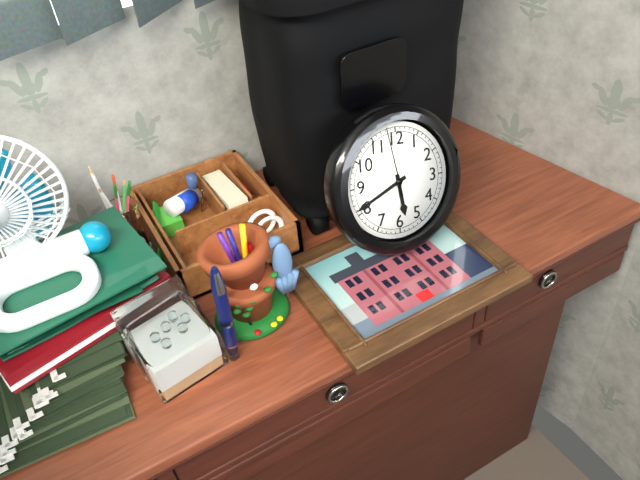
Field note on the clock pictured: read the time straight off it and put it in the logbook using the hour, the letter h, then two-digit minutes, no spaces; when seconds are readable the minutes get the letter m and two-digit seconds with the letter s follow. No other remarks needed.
5h41m58s
